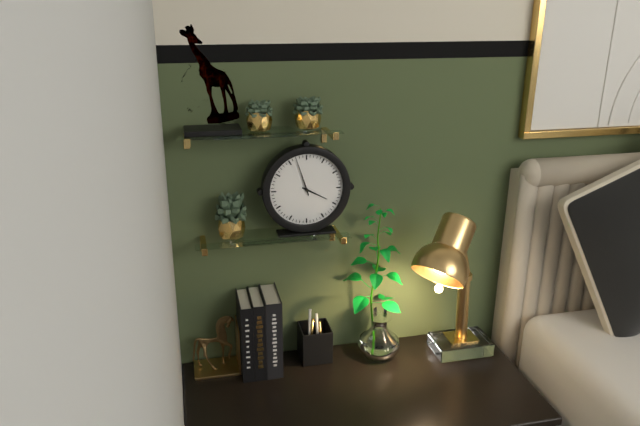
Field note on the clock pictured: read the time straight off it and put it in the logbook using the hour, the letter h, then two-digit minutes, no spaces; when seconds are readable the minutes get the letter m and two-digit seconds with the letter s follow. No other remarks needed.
3h57
